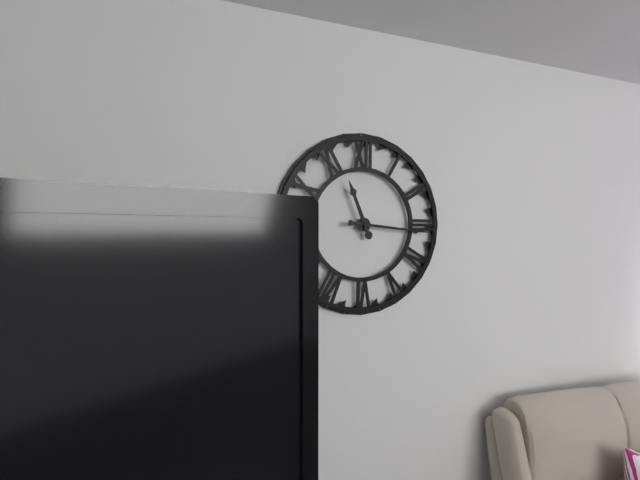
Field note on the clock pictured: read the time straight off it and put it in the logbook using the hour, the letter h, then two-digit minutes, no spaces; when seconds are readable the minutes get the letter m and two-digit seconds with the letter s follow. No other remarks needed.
11h16
